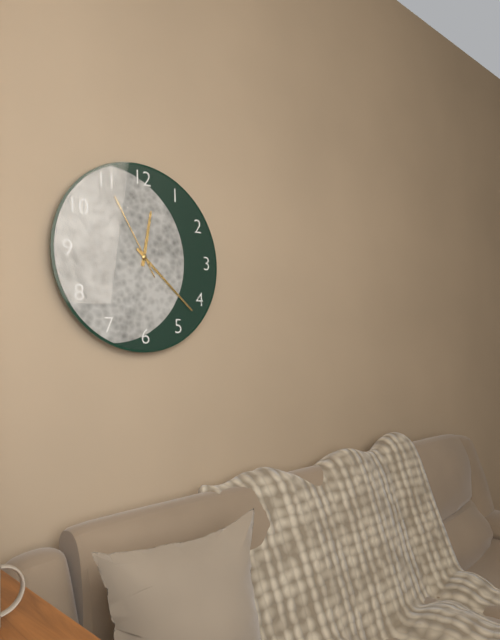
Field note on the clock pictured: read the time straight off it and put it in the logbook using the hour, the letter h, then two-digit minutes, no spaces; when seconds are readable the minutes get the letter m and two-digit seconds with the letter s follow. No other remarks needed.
12h22m55s
